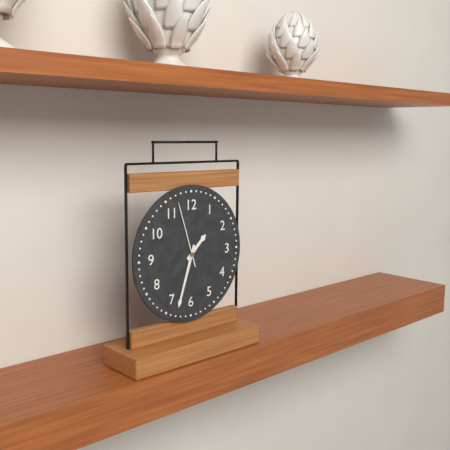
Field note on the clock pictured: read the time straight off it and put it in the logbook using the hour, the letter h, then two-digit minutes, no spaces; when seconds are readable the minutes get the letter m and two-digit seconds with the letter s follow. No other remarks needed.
1h33m57s
